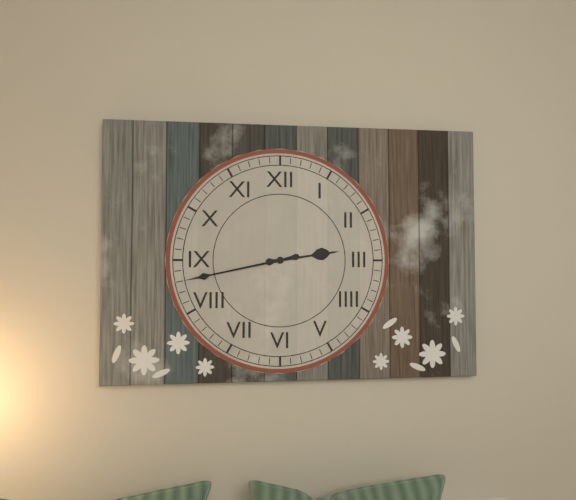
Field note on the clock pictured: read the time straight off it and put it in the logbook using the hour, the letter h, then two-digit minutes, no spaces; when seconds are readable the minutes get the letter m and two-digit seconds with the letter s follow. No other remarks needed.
2h43
